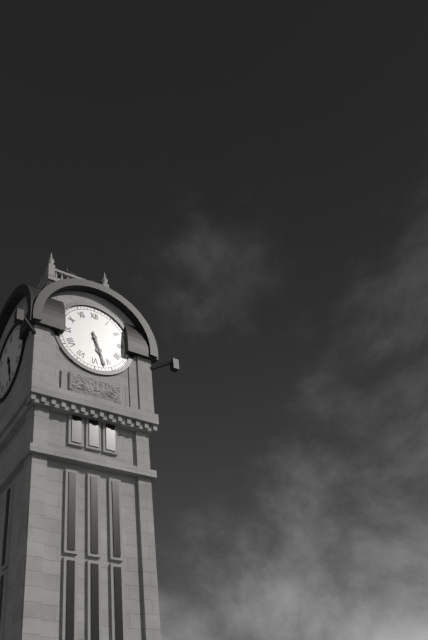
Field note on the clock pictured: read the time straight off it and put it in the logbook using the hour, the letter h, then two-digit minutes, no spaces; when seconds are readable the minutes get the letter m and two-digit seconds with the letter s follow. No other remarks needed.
5h27
